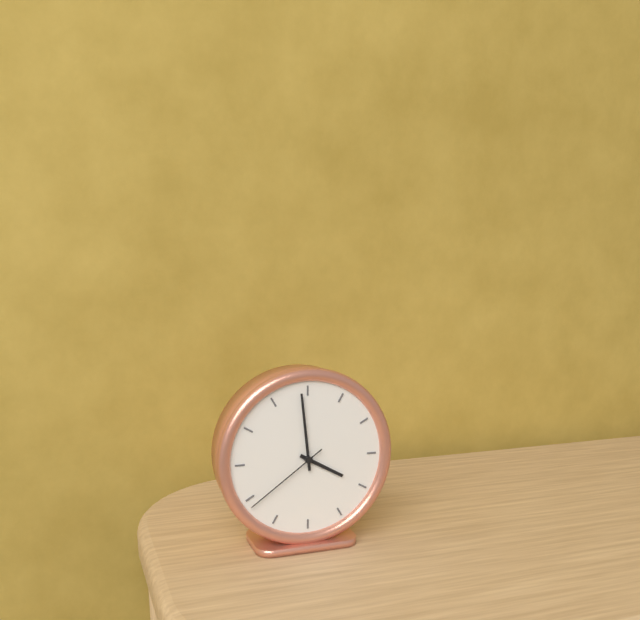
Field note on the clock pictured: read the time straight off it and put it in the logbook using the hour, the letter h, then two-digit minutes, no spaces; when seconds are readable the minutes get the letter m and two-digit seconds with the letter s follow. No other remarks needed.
3h59m39s
